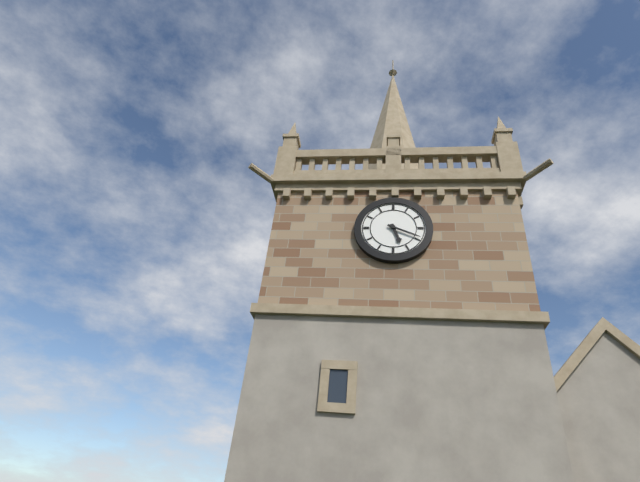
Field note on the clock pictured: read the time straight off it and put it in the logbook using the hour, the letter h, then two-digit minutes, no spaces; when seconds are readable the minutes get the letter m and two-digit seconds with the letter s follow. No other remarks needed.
5h19
